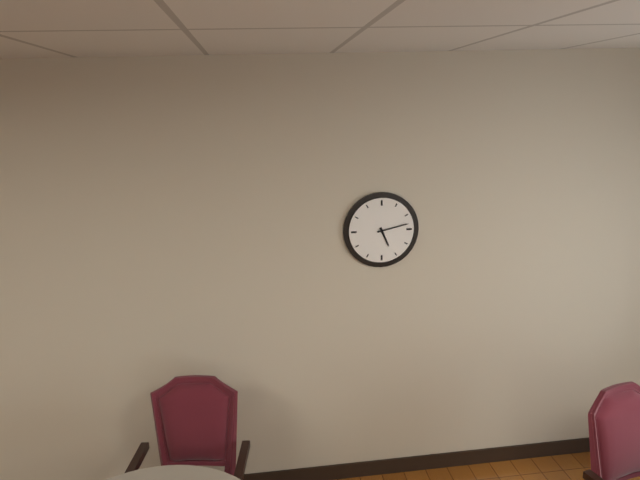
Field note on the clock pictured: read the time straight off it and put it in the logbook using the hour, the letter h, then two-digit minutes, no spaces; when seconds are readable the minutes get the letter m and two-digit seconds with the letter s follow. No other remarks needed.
5h13
